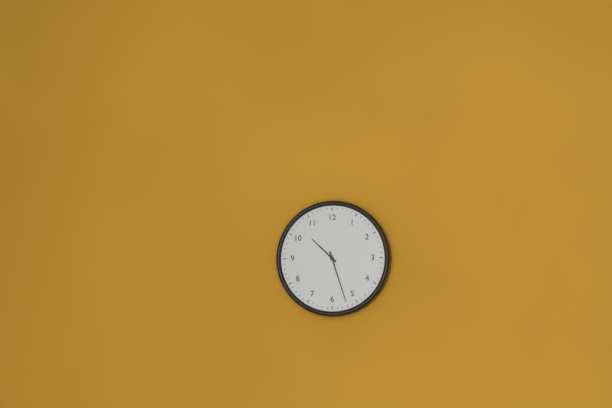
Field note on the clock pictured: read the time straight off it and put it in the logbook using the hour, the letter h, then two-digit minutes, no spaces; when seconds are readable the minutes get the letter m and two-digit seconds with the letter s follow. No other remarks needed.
10h27
